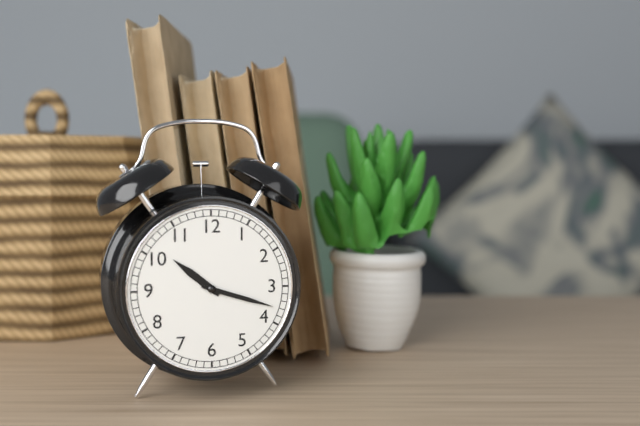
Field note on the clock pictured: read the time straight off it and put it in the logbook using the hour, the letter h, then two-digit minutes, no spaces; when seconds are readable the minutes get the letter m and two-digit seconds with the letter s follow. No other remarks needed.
10h18
